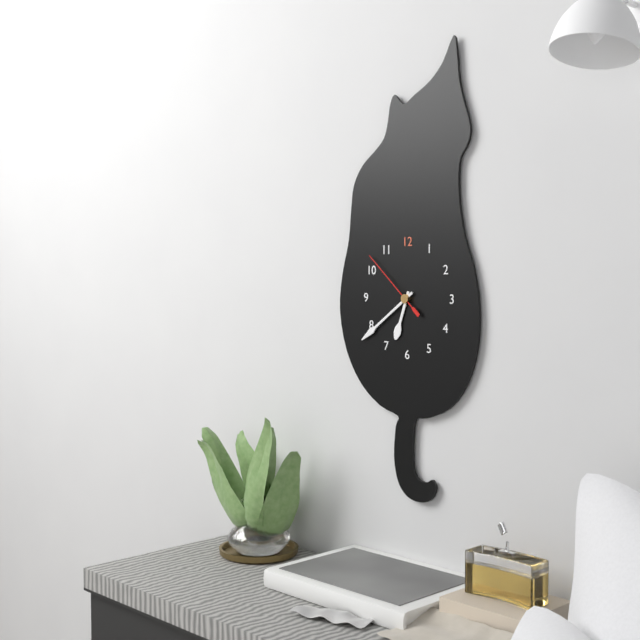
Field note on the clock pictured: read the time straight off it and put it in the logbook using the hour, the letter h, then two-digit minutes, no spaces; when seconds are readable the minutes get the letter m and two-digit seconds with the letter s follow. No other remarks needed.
6h39m52s
